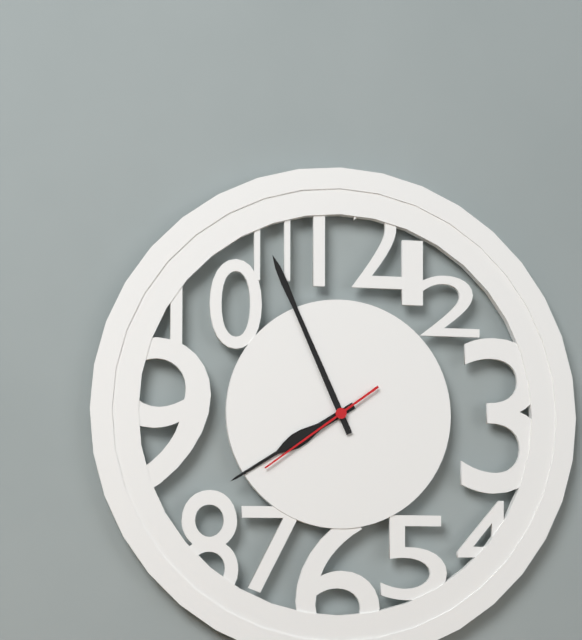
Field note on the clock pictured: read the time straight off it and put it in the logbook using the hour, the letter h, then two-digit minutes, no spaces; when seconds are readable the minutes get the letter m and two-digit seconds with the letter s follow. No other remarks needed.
7h56m39s
